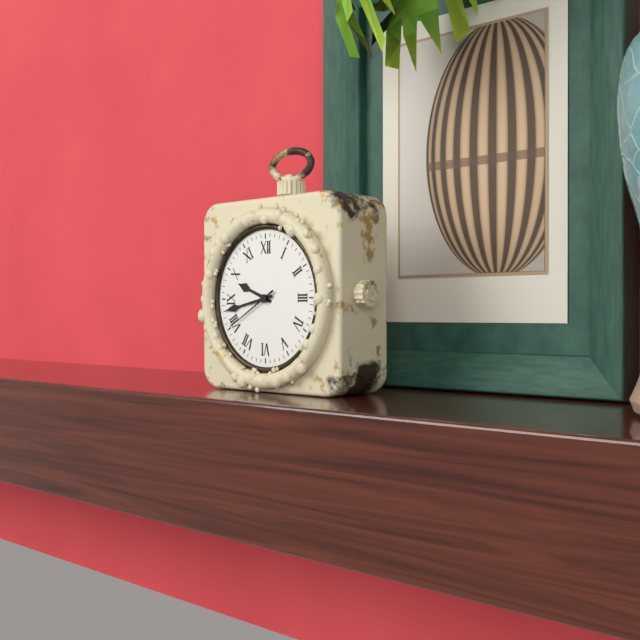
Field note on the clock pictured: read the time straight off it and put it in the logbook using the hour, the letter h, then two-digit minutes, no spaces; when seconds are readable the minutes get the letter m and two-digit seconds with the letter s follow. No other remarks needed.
9h43m40s
